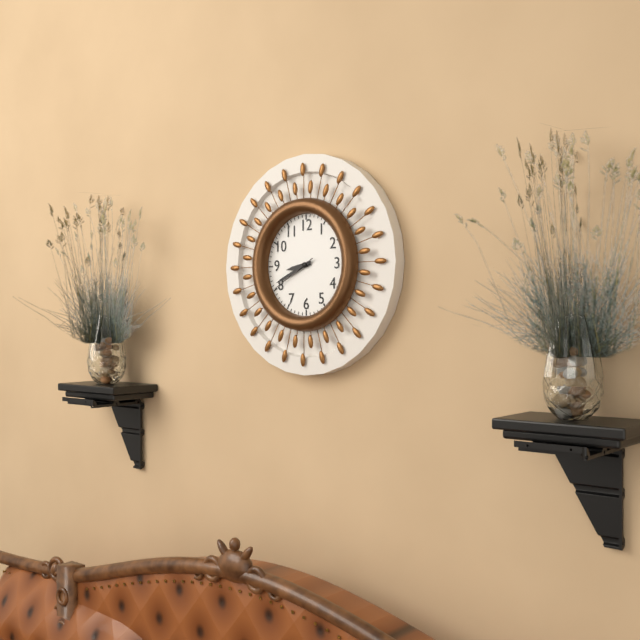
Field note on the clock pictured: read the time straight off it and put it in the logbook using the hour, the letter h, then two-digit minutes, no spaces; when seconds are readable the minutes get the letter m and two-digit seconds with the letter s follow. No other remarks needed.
8h41
